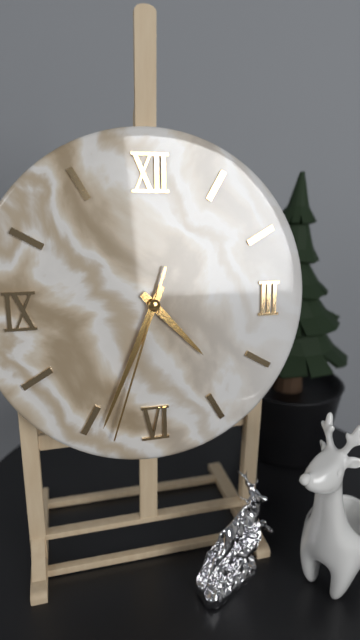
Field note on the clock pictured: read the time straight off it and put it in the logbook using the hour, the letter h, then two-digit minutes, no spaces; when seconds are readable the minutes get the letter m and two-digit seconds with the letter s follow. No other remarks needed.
4h34m33s
